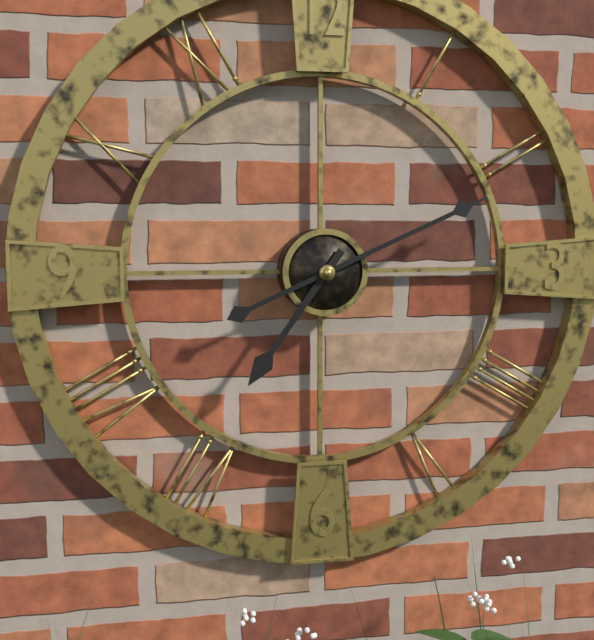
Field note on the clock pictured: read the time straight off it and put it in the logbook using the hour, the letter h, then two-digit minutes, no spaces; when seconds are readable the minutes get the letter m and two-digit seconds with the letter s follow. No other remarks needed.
7h11
